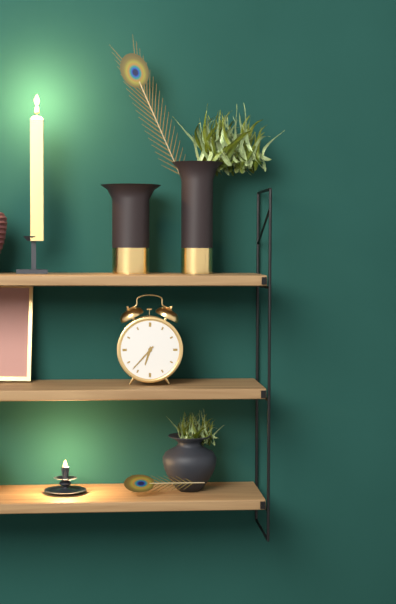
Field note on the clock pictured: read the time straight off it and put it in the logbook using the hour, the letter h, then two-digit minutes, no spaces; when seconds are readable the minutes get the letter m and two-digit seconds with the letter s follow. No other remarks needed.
6h37
